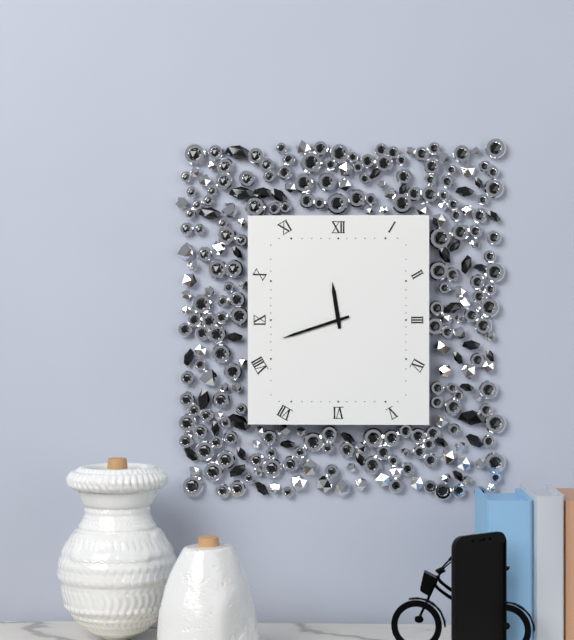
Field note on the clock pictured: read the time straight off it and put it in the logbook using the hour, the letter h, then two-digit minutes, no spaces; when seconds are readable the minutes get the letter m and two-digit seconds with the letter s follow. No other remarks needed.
11h42
